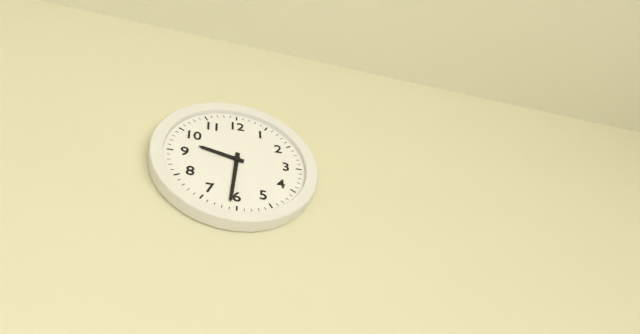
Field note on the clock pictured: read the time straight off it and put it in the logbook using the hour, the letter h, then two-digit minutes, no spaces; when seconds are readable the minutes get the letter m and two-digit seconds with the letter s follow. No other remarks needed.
9h31
